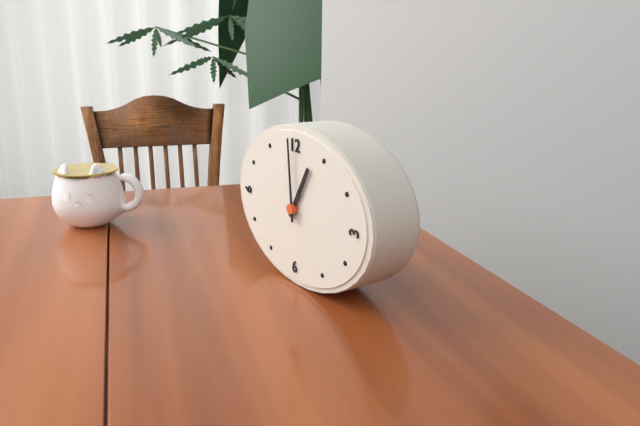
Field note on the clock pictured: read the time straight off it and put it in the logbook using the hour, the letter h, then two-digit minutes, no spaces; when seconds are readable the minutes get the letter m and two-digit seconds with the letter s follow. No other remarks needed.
12h59
